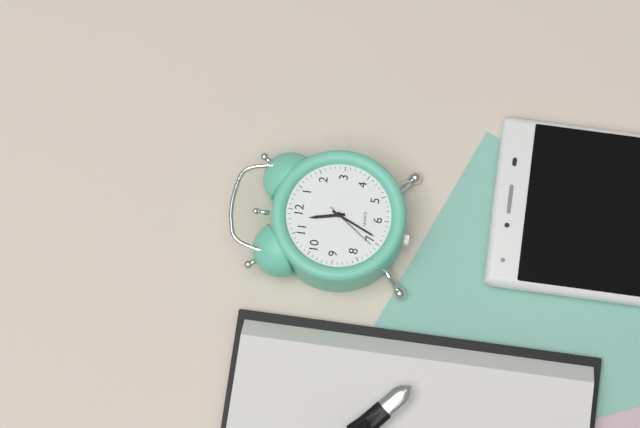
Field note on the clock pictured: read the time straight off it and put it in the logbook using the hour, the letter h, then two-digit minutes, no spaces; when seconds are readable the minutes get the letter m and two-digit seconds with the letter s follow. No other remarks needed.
11h34m36s
